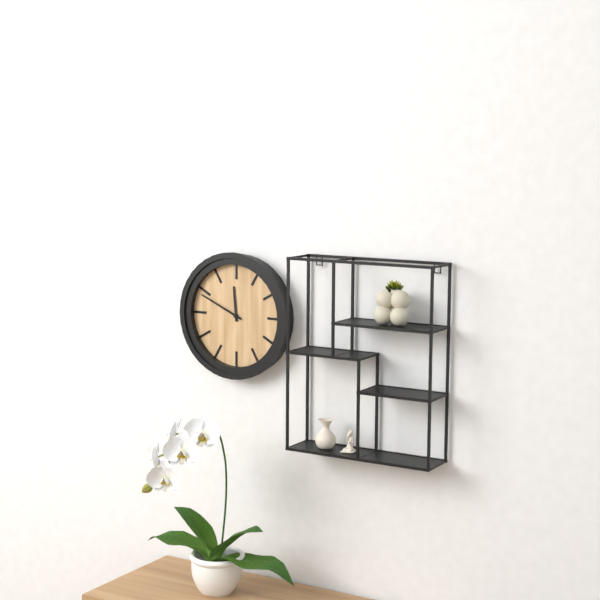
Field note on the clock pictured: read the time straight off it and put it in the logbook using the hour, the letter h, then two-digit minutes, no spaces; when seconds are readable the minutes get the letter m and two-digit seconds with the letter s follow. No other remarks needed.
11h49
